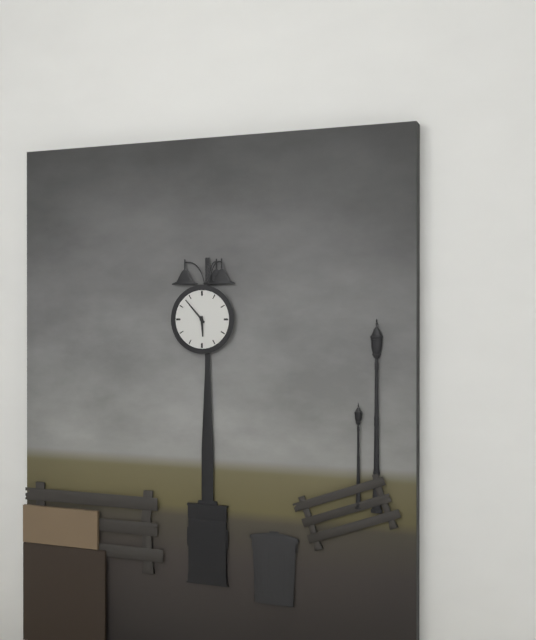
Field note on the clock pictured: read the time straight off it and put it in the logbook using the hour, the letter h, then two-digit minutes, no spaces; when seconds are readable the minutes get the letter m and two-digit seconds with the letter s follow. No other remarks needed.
5h53
